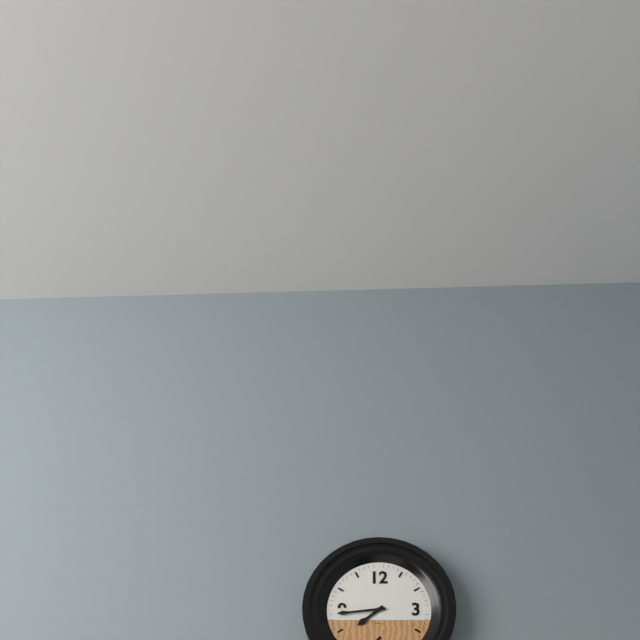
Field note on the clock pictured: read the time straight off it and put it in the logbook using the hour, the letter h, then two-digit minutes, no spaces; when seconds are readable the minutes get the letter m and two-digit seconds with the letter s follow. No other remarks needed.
7h44
